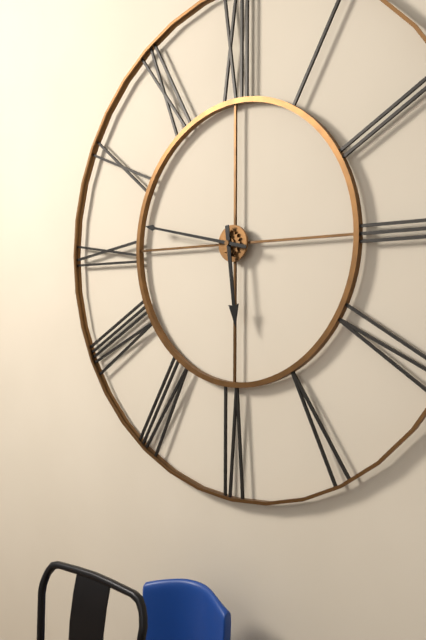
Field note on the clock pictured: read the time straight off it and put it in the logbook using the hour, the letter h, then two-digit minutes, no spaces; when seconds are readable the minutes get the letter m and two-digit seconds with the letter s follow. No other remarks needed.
5h47
